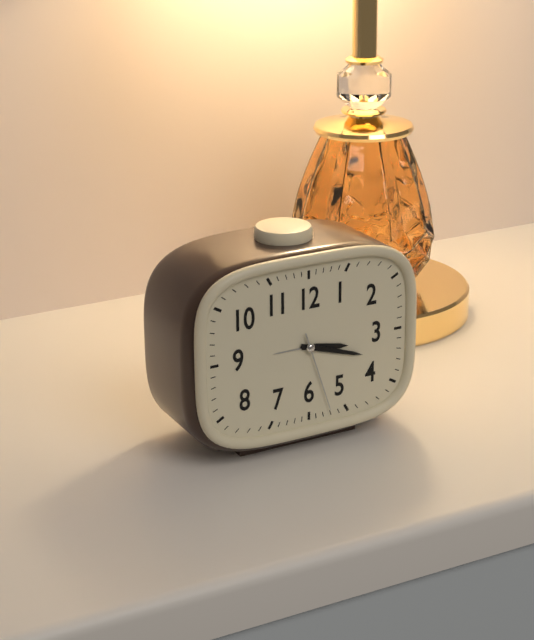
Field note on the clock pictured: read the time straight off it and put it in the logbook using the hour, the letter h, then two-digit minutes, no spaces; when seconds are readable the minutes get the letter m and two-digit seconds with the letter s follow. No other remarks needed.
3h18m27s
